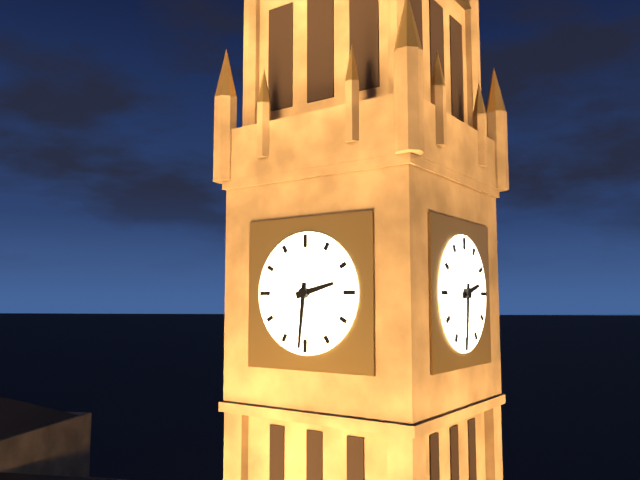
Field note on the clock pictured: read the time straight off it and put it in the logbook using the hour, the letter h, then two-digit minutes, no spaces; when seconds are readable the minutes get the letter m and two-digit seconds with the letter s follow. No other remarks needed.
2h31
